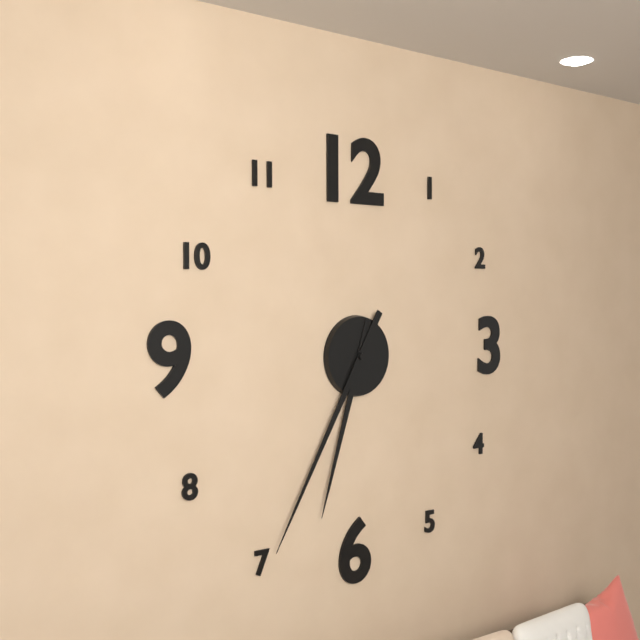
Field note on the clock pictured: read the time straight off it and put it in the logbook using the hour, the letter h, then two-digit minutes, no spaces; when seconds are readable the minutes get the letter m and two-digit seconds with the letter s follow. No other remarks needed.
6h35
